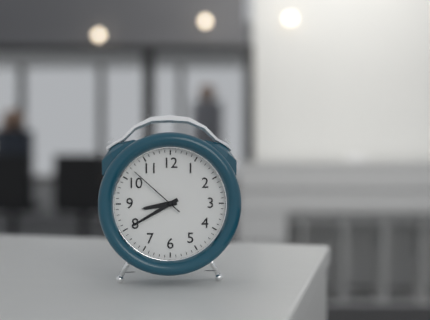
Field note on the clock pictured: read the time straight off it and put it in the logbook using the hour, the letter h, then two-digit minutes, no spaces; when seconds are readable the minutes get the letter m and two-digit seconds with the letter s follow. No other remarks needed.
8h40m52s
